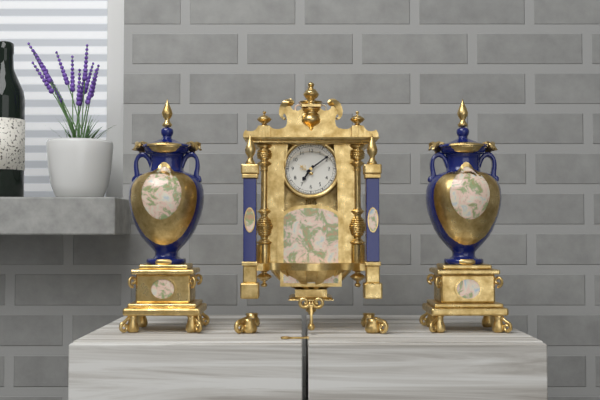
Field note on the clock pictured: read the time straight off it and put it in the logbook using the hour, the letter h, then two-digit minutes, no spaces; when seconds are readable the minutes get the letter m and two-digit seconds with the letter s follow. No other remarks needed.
7h09
